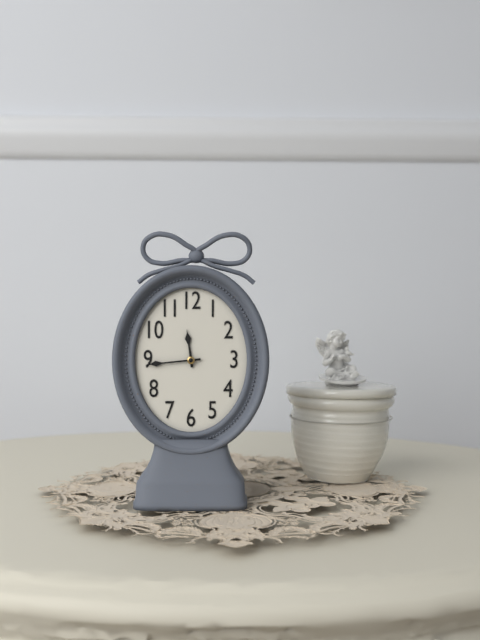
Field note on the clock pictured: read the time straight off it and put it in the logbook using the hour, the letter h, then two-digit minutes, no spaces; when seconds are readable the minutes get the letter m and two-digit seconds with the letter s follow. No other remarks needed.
11h44
